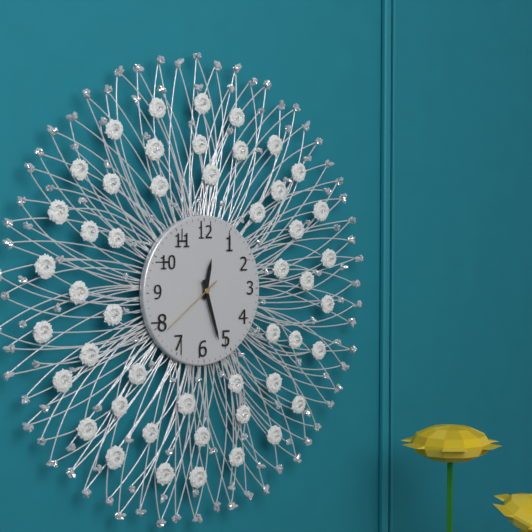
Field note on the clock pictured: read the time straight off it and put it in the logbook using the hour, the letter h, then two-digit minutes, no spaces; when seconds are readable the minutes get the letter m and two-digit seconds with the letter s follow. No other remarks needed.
12h27m39s
